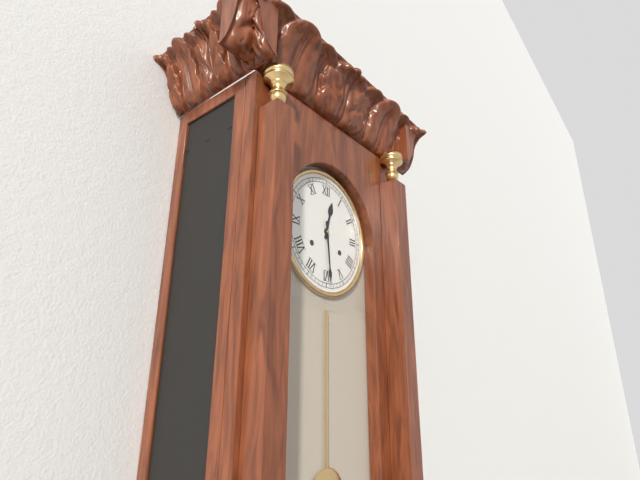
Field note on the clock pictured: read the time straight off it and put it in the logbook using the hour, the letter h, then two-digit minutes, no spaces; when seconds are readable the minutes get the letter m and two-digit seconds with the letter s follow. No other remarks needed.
12h29
